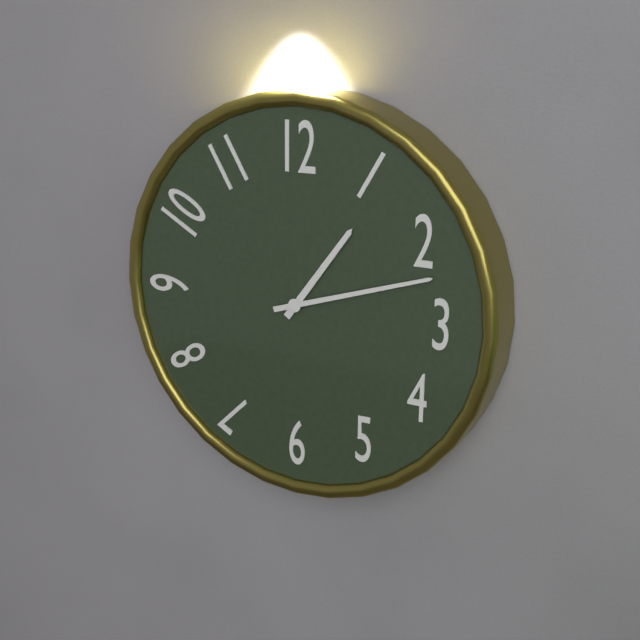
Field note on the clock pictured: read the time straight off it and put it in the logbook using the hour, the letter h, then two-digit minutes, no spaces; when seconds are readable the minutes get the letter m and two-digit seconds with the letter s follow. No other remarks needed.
1h12
